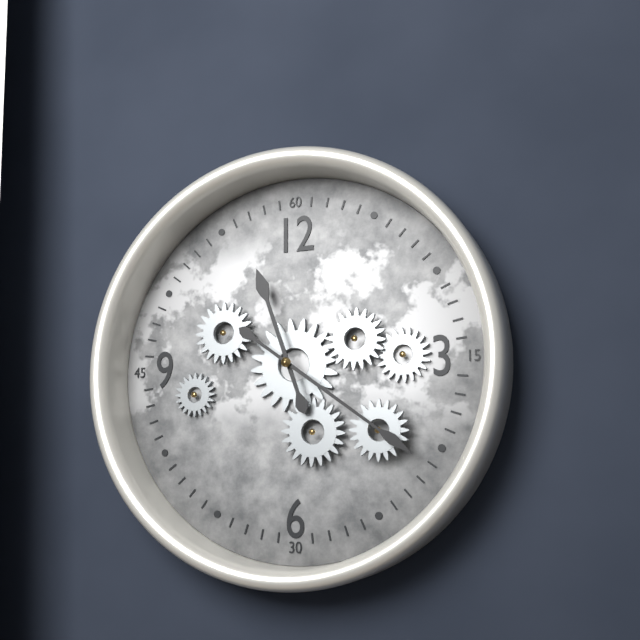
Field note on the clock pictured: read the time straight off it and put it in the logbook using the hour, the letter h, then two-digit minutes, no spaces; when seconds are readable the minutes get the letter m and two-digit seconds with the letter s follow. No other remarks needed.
11h21
